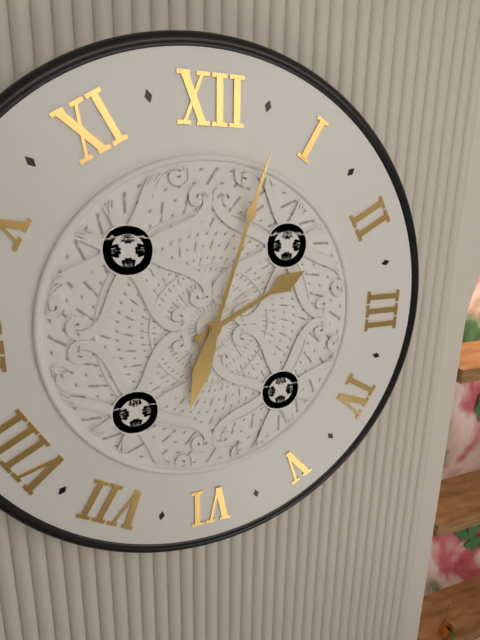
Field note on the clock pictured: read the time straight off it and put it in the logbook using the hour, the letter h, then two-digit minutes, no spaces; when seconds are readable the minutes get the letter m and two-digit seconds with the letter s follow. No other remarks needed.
2h03
